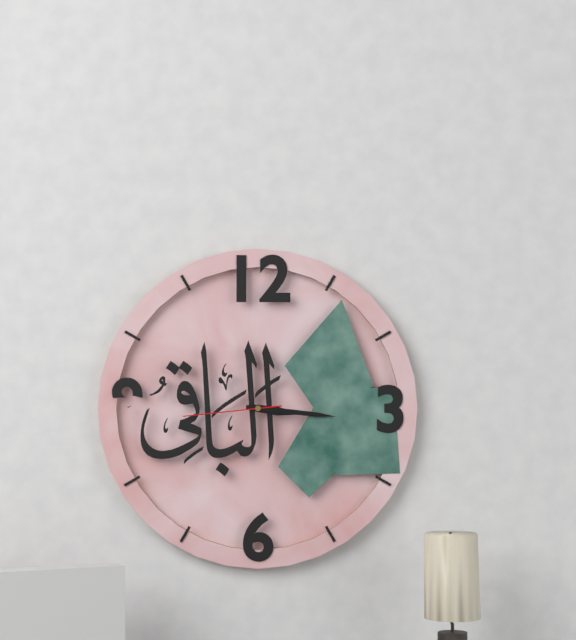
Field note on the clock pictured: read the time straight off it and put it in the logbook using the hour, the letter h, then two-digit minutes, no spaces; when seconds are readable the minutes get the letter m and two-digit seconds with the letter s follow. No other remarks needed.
3h16m44s
